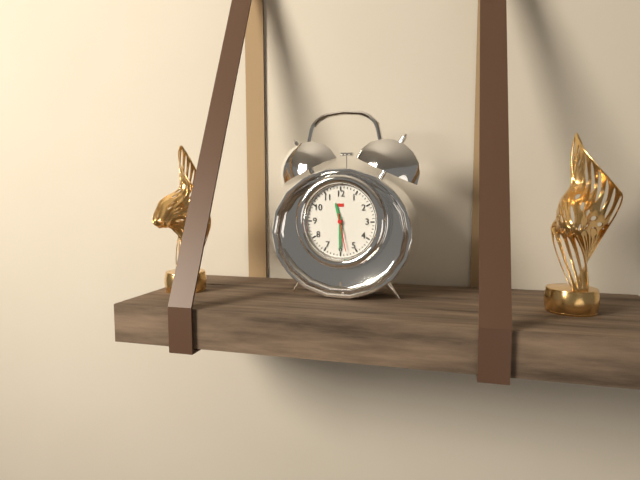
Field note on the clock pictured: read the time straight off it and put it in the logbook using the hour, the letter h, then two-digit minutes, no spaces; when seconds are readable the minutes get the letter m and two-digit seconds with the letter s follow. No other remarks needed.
11h30
